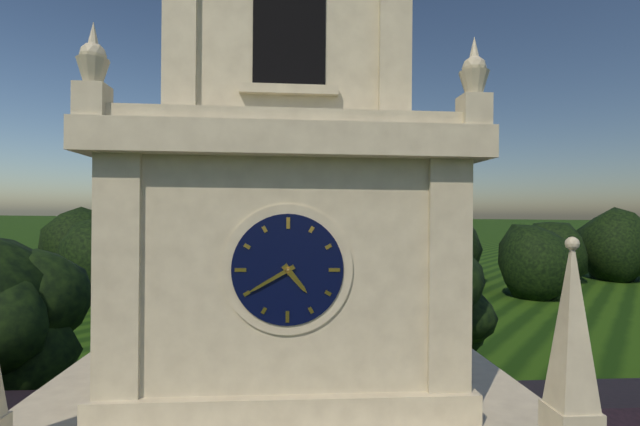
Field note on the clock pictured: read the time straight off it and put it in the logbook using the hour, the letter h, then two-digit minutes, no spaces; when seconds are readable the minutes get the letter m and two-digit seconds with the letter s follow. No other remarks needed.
4h40
